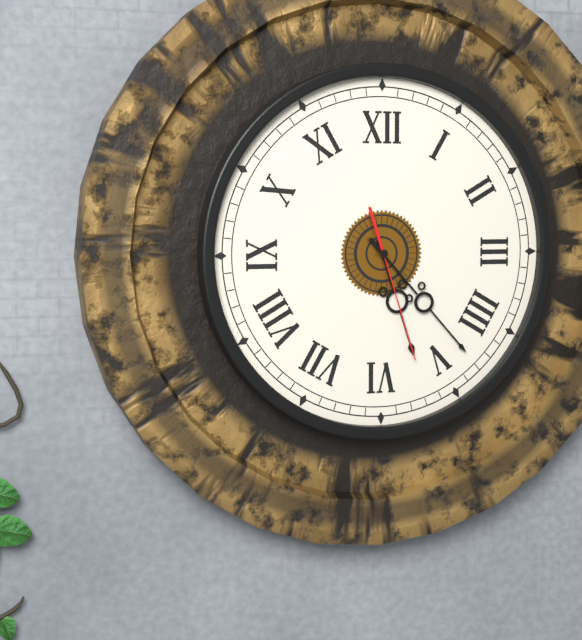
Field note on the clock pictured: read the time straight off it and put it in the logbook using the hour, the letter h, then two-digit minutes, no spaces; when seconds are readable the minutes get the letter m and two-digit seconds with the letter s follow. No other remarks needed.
5h23m27s
